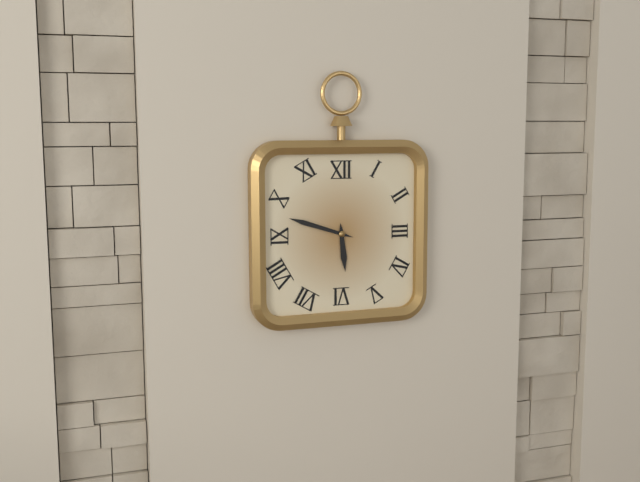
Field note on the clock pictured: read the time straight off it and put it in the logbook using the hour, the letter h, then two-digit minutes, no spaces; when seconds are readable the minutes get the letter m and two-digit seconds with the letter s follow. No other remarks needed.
5h48
